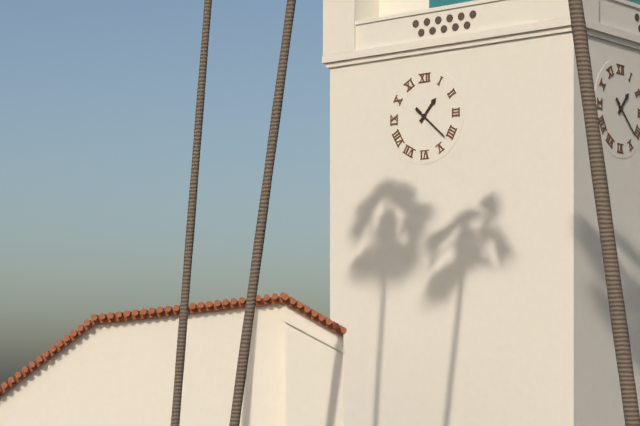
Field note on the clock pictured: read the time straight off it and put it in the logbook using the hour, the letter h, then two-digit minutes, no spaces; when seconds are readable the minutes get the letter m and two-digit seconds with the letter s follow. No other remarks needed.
1h22
